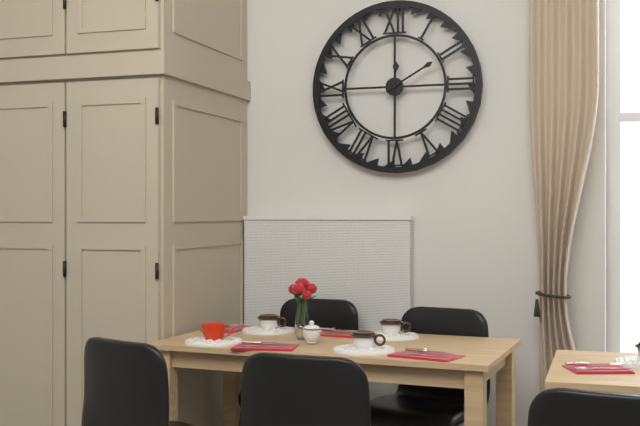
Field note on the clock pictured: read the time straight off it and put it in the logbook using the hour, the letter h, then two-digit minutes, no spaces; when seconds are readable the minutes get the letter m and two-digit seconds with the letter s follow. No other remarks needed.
12h10
